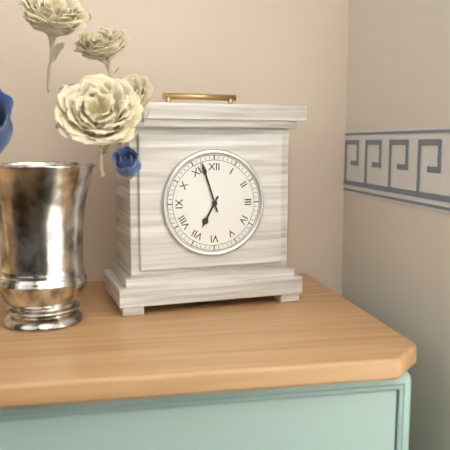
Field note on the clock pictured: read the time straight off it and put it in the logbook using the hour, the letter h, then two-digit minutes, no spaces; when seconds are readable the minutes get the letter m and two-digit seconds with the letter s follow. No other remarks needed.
6h57
